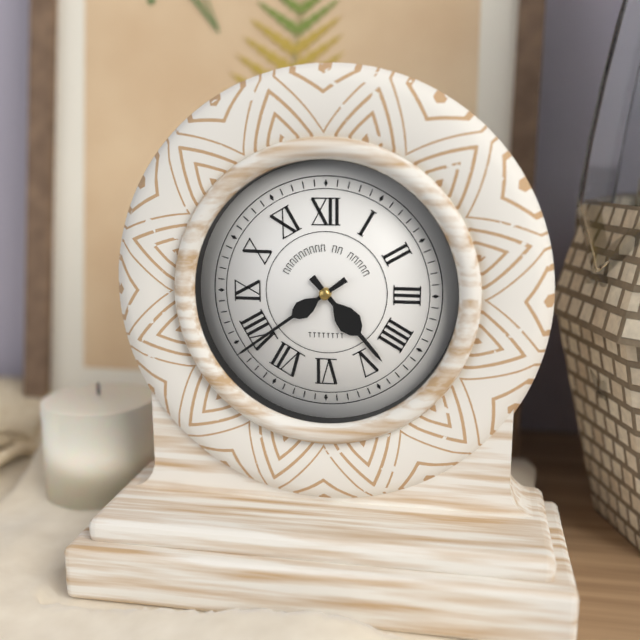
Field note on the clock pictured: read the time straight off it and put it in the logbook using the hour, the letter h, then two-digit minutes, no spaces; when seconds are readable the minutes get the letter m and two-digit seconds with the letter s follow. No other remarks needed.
4h39
